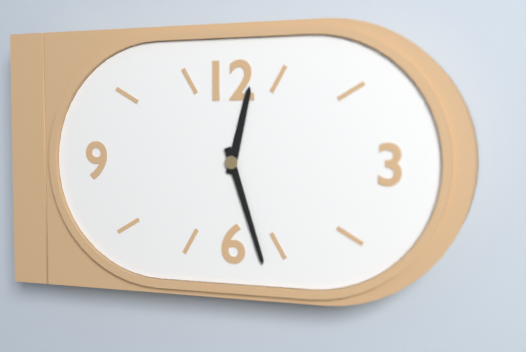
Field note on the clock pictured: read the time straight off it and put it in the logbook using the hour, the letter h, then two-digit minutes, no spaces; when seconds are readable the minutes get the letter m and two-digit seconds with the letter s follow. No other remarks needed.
12h27
